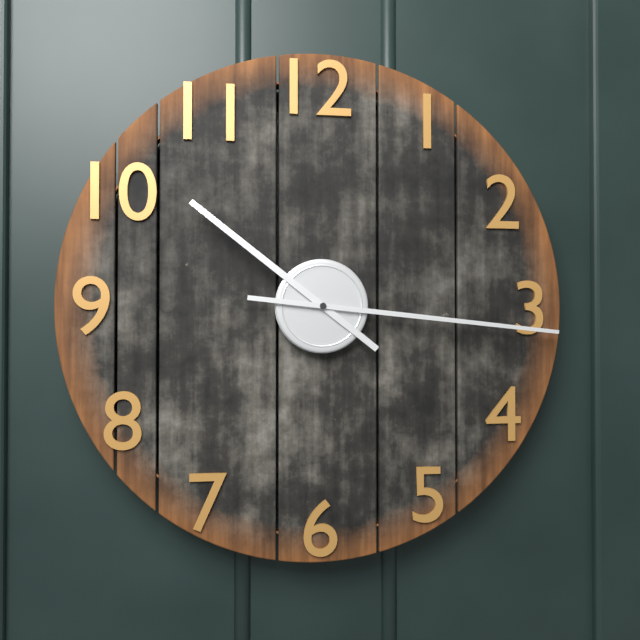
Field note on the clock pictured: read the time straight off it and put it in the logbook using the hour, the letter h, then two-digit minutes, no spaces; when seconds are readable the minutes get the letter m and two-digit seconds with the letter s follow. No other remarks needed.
10h16
